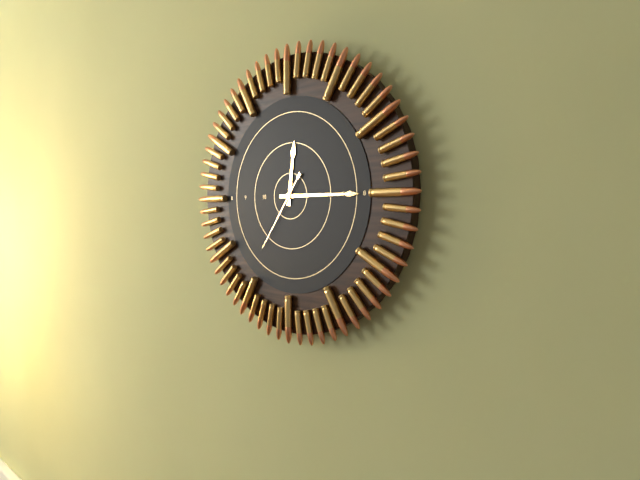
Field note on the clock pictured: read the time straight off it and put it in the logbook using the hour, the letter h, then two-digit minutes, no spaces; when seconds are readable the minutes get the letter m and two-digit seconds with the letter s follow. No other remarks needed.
12h15m36s
